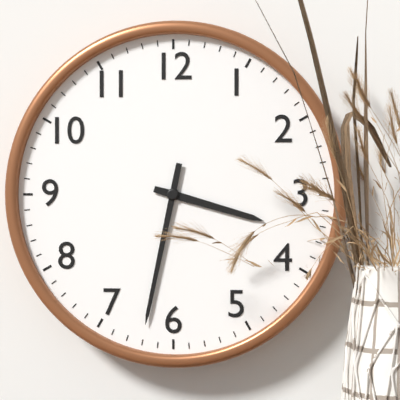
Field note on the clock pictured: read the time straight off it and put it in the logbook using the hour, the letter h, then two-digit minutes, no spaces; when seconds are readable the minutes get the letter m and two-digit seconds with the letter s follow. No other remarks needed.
3h32
